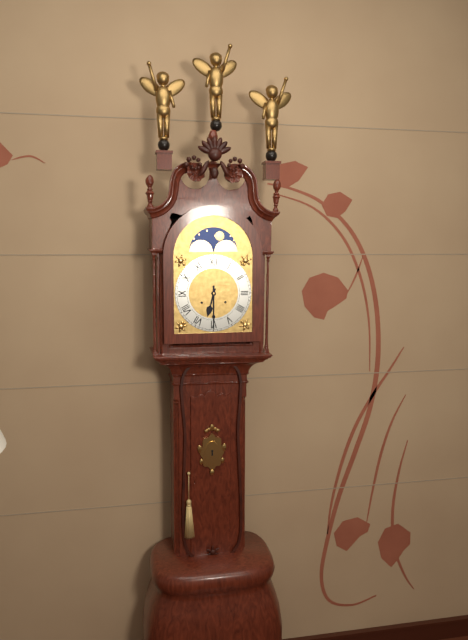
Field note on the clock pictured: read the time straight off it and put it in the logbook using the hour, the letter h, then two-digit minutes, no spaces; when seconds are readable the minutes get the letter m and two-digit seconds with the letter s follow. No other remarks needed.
6h30
